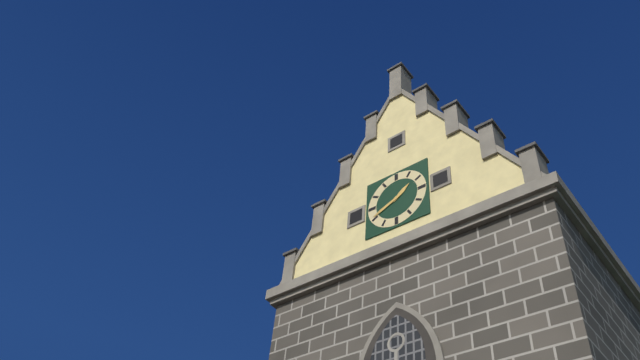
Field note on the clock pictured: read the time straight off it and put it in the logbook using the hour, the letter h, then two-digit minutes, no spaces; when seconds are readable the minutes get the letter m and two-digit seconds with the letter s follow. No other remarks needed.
1h41
